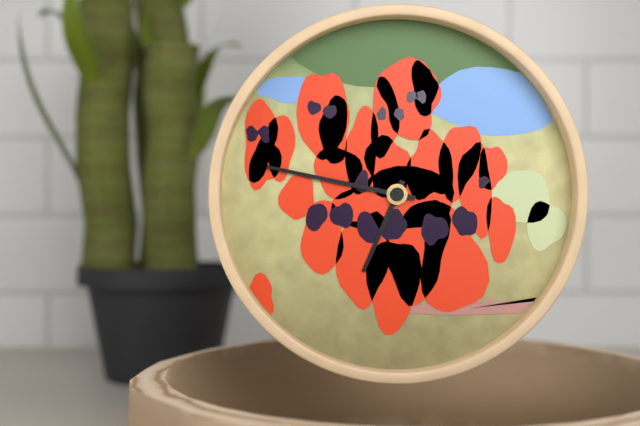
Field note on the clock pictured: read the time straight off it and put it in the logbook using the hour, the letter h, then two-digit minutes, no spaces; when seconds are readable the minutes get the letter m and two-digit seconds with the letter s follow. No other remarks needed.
6h47
